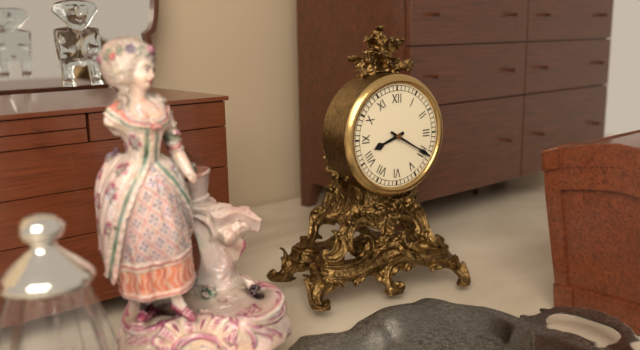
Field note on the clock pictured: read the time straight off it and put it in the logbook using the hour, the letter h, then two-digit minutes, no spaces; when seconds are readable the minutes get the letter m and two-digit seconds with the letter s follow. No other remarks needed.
8h20
